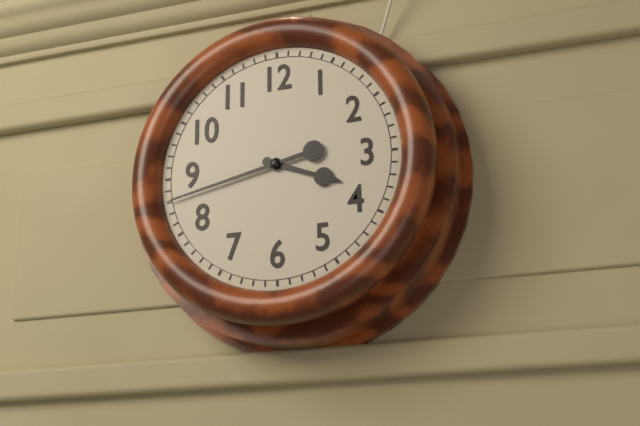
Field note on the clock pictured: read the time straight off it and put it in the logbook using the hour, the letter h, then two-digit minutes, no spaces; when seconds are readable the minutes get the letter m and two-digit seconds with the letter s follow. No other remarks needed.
3h43
